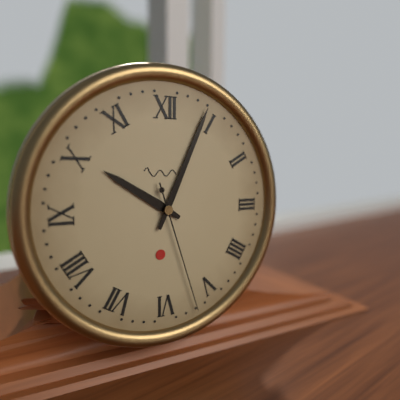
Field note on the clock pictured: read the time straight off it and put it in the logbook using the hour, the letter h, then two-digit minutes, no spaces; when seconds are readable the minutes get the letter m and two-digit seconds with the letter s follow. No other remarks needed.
10h04m27s
